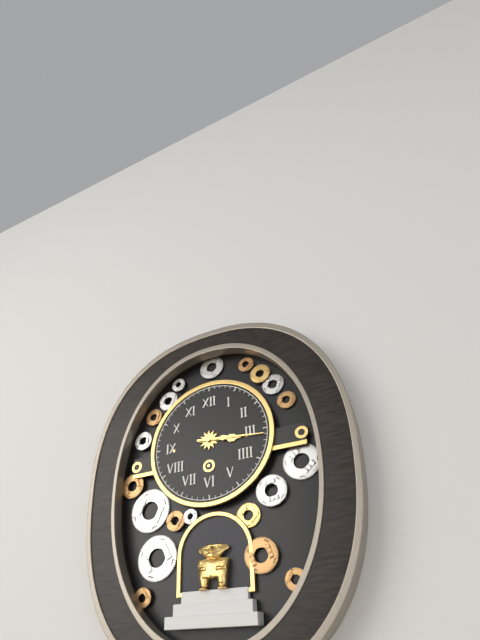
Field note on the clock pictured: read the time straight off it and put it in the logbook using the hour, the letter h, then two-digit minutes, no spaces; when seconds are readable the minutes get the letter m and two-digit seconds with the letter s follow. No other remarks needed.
3h16
